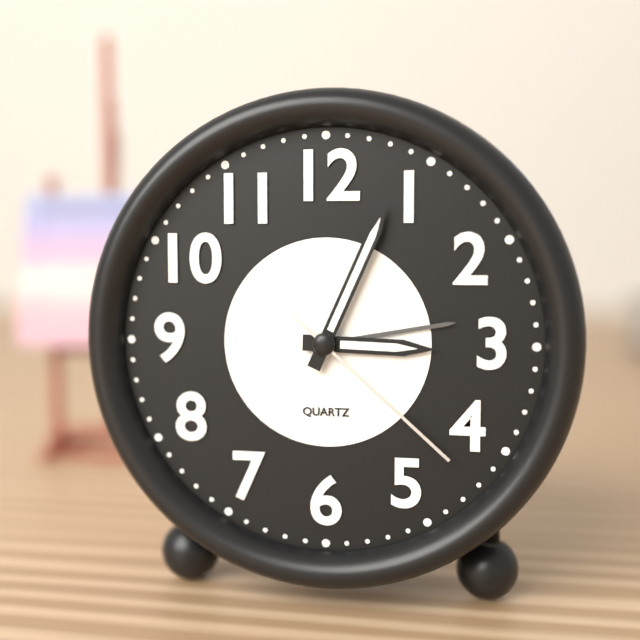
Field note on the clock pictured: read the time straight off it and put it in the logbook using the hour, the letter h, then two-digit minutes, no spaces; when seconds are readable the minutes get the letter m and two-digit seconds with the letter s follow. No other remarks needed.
3h04m22s
